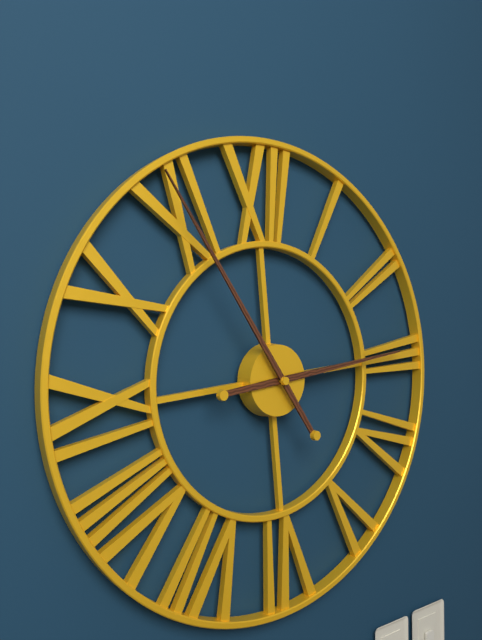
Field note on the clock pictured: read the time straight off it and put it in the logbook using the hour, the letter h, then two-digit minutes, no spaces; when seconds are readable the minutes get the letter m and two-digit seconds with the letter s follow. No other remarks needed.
2h55
